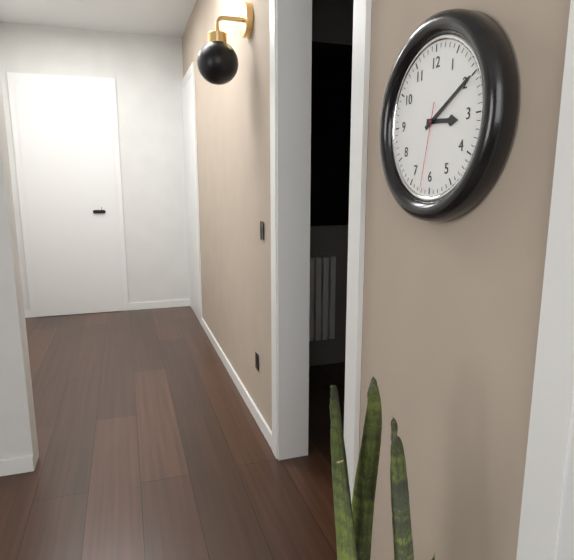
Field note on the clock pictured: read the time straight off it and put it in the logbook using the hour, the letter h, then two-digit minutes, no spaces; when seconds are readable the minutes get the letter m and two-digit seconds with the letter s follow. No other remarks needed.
3h10m32s
